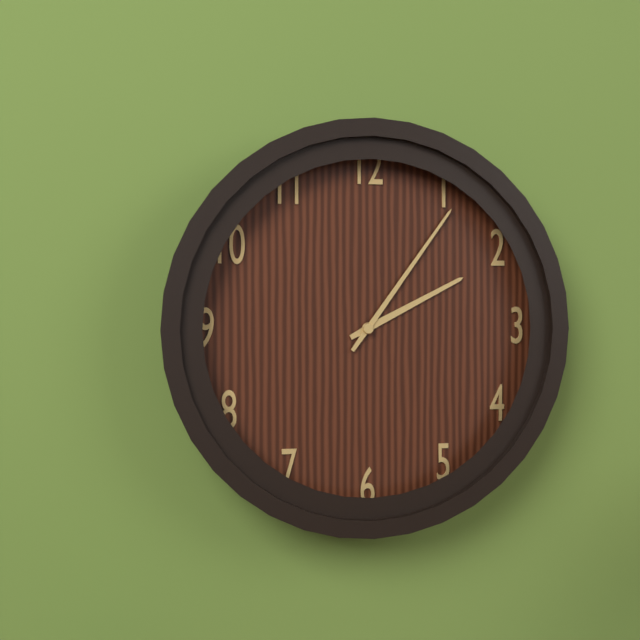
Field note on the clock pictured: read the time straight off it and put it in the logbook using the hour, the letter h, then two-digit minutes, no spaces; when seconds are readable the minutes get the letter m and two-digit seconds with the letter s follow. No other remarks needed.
2h06
